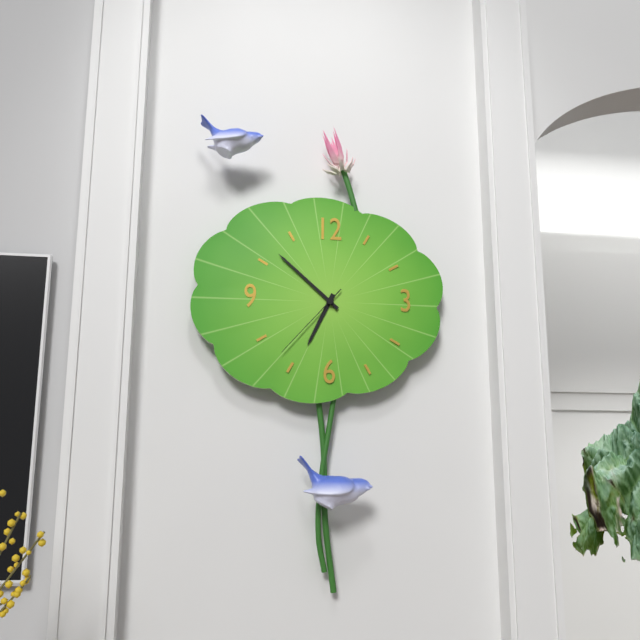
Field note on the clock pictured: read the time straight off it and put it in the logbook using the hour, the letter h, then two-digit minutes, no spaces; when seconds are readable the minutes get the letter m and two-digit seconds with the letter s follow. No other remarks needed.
6h52m37s
